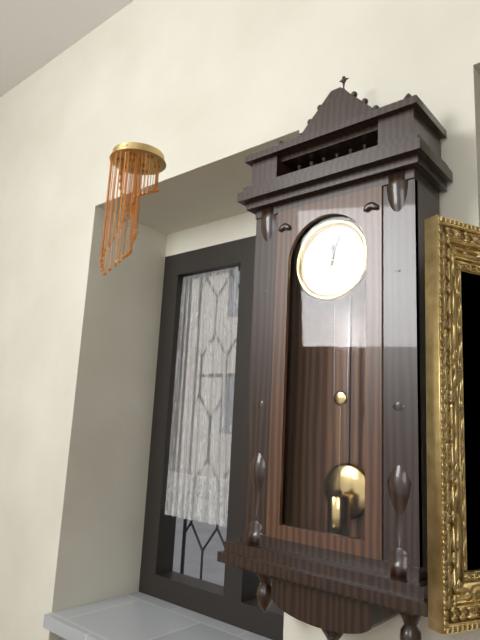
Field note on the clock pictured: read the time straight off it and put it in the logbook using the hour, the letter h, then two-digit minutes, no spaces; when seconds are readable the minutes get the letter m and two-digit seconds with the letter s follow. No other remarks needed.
12h03
